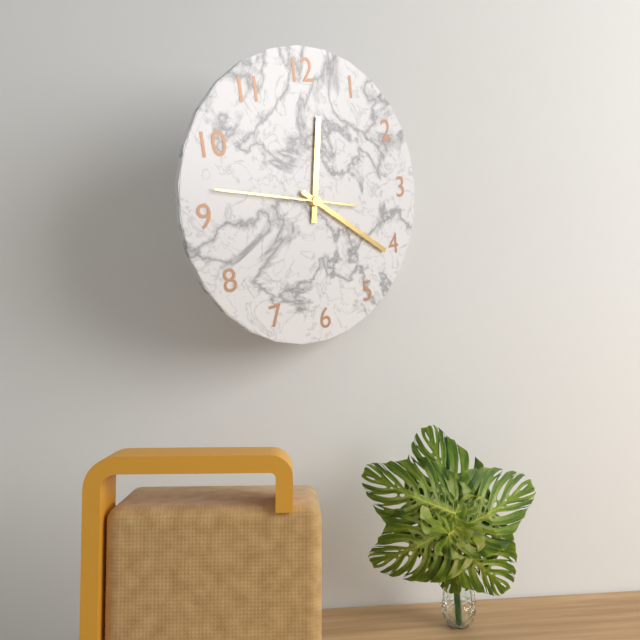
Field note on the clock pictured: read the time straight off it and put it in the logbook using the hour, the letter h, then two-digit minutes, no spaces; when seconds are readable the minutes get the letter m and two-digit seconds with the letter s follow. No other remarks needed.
12h21m47s
